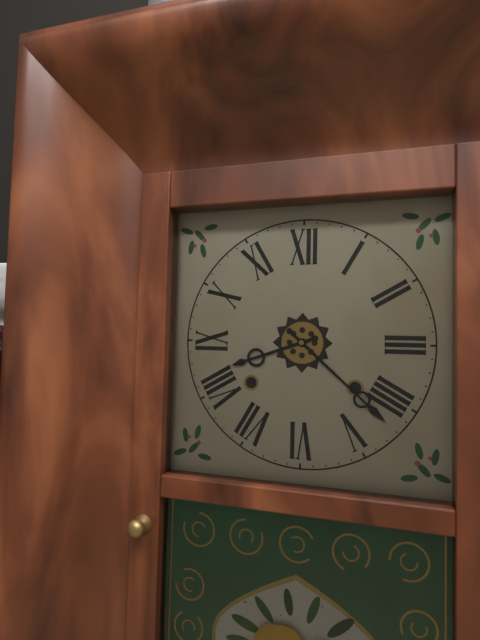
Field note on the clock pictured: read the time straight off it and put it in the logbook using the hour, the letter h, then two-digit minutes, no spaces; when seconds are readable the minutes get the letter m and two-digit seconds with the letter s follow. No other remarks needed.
8h22
